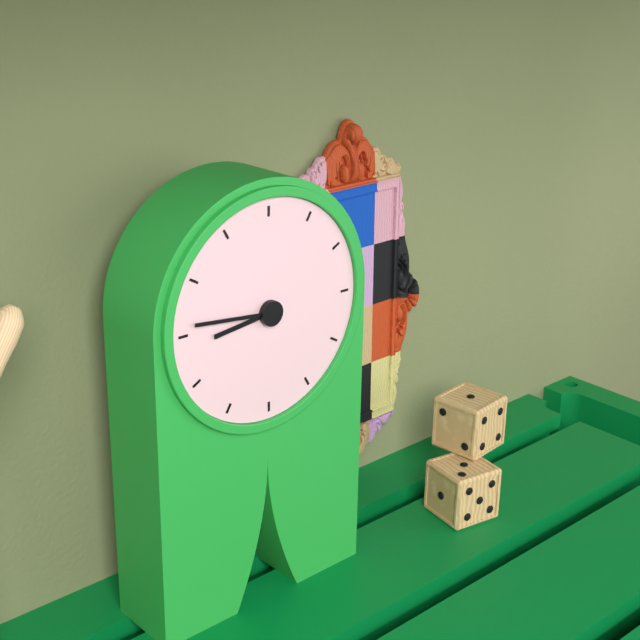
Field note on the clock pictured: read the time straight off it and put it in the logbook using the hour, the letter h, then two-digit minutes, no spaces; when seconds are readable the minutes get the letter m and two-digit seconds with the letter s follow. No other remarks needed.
8h46
